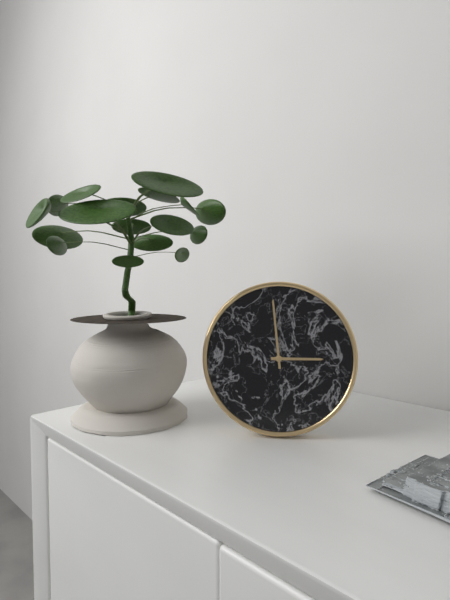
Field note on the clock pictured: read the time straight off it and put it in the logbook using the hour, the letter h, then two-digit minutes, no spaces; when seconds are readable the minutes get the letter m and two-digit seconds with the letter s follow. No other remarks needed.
2h59
